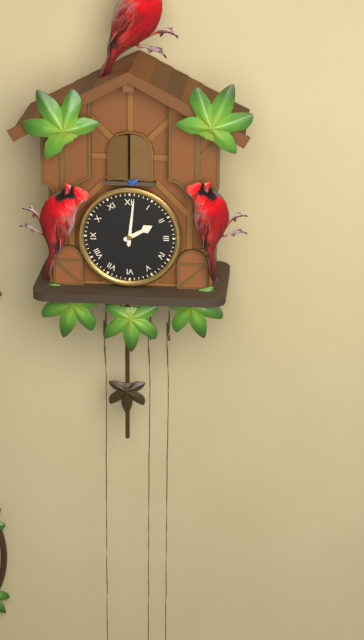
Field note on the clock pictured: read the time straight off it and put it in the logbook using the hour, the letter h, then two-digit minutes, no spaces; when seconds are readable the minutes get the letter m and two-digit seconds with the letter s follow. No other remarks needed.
2h01
